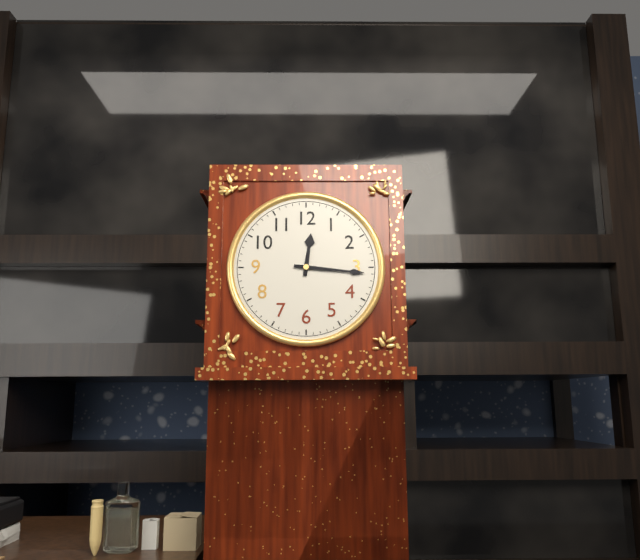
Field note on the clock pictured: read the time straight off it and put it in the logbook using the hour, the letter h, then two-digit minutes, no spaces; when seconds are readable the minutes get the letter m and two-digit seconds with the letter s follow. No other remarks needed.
12h16
